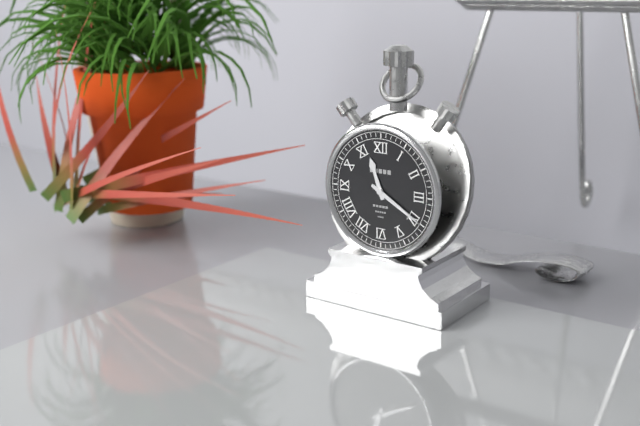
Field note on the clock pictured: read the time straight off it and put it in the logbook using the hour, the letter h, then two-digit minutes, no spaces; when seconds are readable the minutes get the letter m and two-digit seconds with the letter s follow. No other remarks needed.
11h20
